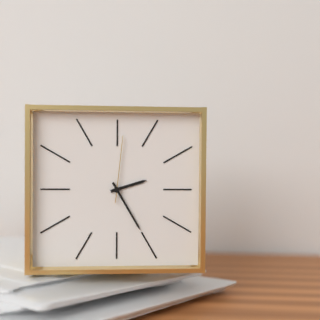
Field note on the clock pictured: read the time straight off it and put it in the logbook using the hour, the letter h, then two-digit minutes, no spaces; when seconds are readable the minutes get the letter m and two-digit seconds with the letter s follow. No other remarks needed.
2h25m01s
